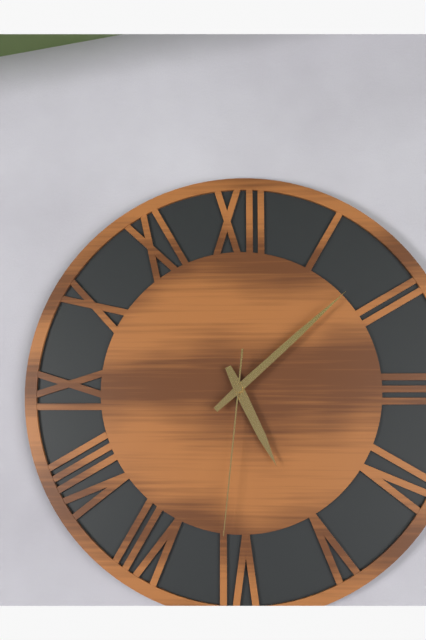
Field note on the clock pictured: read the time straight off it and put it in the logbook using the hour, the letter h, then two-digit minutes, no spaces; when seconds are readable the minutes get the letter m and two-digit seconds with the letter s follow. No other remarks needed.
5h08m31s
